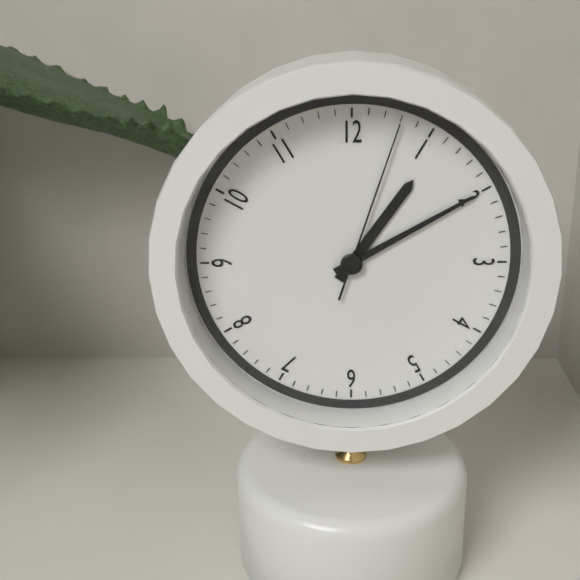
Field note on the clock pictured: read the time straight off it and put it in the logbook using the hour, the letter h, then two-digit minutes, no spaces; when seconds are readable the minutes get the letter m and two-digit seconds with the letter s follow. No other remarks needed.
1h10m03s
